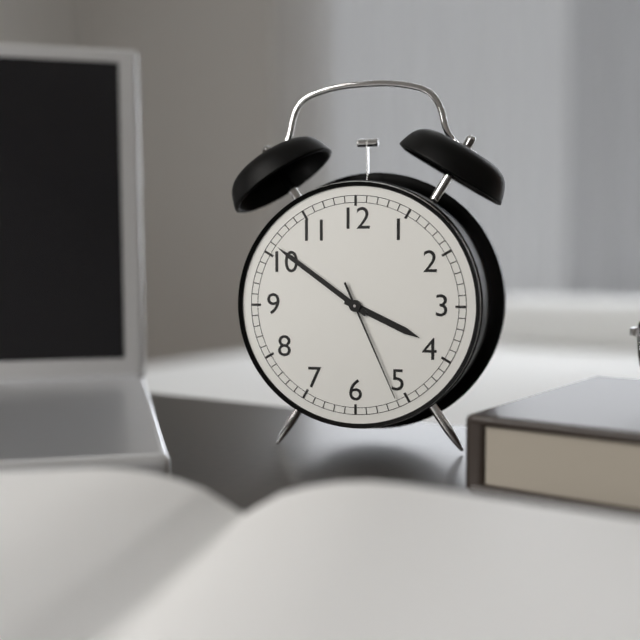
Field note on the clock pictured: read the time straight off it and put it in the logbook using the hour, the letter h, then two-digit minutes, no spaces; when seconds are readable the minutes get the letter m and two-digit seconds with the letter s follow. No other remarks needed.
3h51m26s
